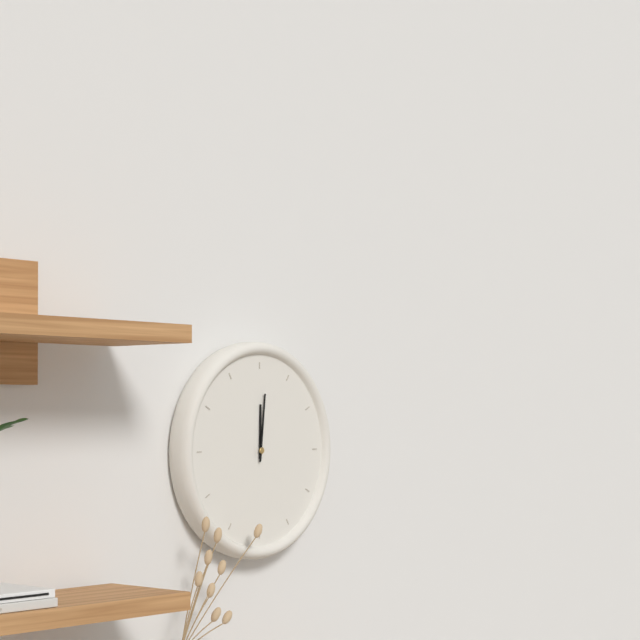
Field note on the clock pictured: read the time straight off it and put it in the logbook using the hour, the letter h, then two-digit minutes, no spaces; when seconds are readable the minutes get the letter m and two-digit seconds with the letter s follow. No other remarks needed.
12h01
